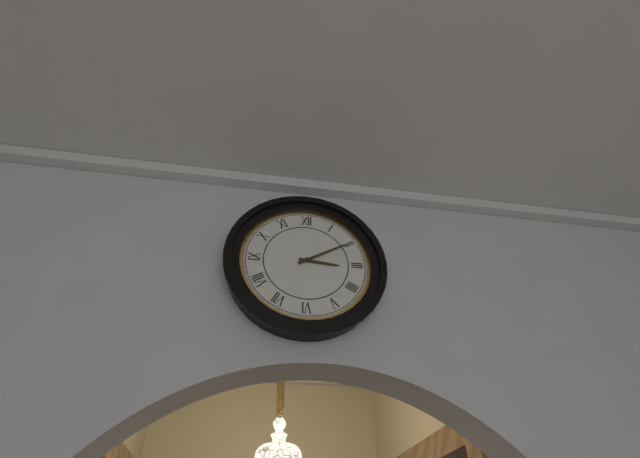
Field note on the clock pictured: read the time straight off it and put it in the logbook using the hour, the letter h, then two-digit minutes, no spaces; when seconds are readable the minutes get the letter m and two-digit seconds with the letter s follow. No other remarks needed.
3h10
